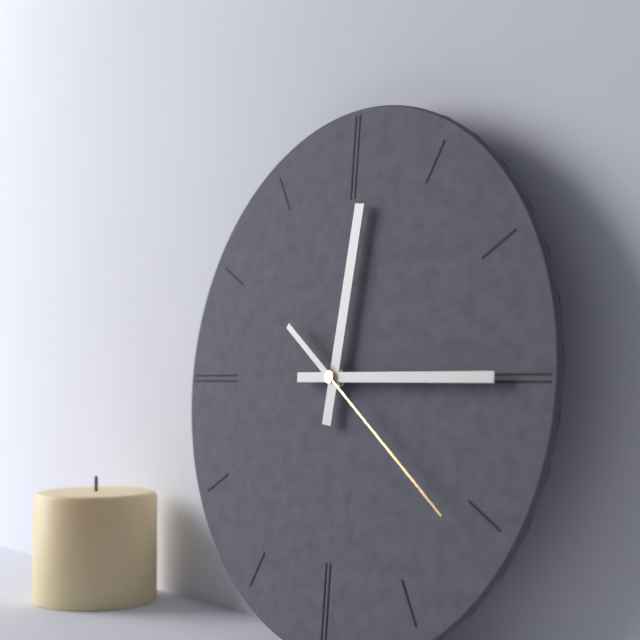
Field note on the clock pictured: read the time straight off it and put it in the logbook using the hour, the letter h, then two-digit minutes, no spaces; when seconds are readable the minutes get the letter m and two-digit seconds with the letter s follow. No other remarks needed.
12h15m21s
